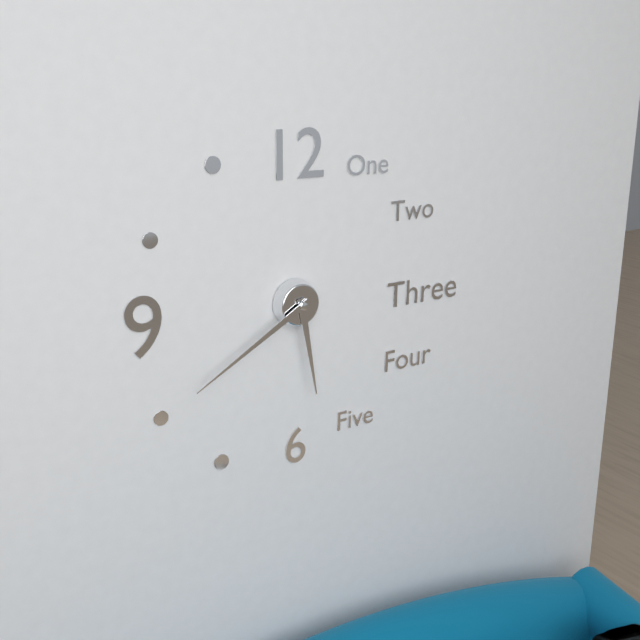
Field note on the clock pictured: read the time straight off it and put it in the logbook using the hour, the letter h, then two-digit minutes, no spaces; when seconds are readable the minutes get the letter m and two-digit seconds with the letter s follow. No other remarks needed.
5h40
